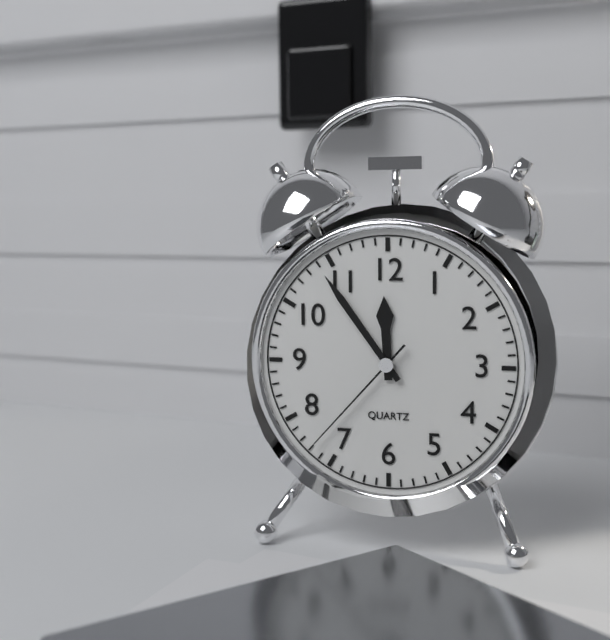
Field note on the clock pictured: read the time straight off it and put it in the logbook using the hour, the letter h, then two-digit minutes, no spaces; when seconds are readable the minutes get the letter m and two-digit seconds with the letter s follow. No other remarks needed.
11h54m37s
